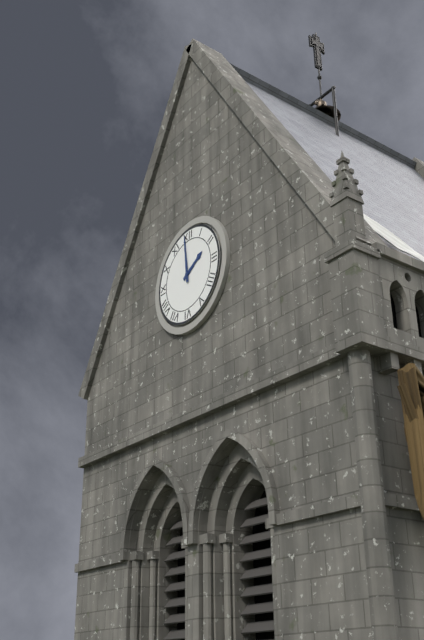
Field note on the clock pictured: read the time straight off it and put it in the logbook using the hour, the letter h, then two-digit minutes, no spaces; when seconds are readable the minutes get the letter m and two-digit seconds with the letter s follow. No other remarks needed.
1h59
